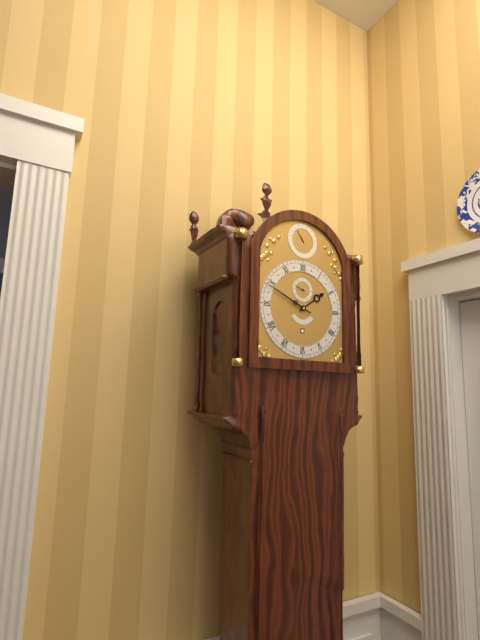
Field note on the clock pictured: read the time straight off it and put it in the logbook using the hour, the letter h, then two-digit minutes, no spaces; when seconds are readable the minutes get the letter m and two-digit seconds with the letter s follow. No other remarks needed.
1h49
